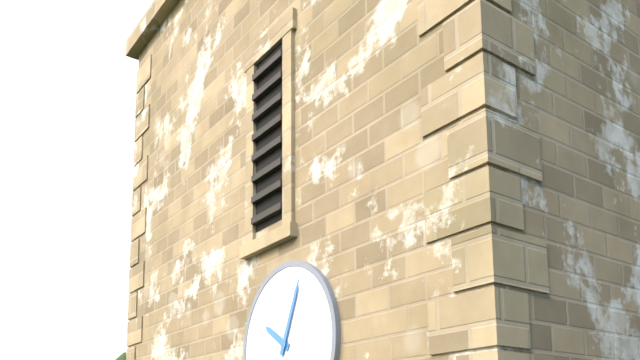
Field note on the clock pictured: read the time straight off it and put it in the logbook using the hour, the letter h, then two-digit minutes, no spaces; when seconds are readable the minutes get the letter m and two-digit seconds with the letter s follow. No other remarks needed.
10h04
